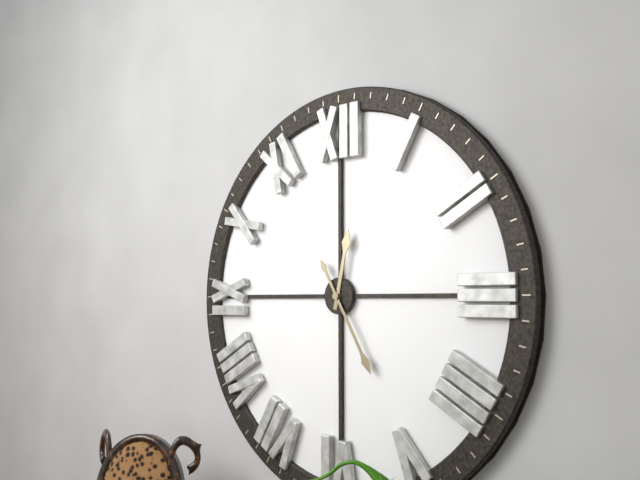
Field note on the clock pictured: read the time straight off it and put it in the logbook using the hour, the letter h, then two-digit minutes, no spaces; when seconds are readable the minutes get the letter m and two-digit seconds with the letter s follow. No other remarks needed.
12h25
